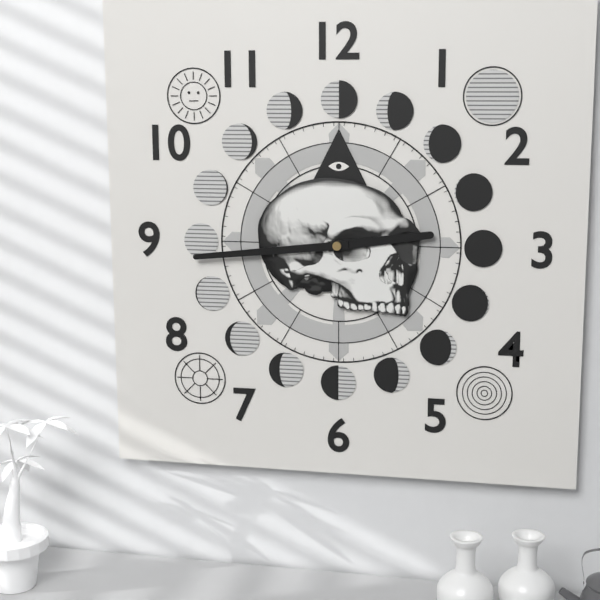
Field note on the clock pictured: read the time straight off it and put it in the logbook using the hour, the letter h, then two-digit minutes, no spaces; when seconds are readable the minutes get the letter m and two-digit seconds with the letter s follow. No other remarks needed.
2h44
